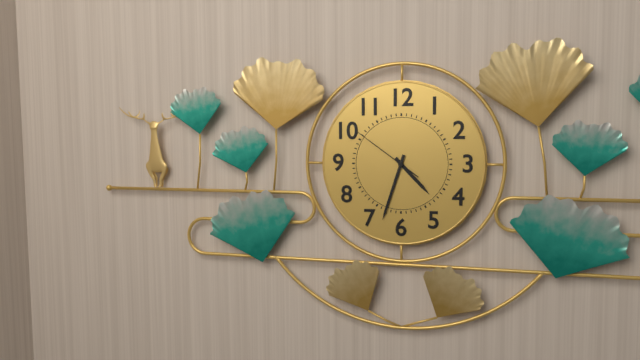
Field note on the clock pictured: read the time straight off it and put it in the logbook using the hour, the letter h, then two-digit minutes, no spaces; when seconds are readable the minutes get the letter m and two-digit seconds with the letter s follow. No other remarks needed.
4h33m51s
